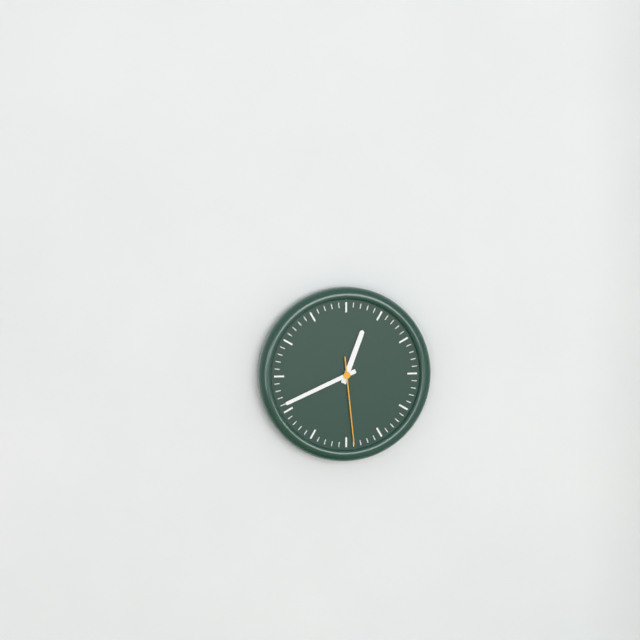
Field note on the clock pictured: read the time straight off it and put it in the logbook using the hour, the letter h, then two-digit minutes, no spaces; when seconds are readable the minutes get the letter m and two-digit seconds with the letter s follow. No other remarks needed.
12h41m29s
